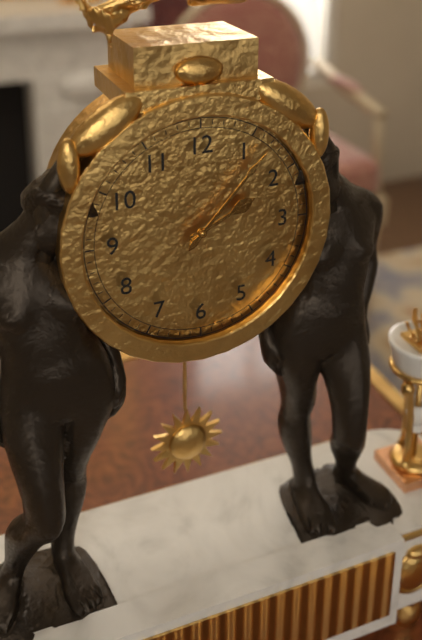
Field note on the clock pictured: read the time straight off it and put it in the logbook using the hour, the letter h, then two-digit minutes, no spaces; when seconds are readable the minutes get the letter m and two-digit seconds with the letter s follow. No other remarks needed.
2h07
